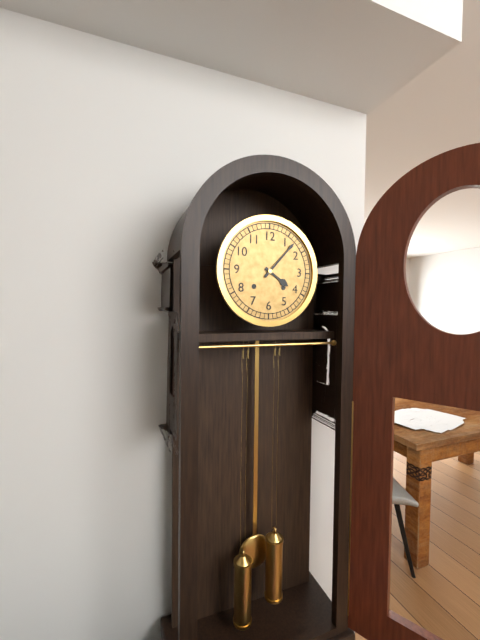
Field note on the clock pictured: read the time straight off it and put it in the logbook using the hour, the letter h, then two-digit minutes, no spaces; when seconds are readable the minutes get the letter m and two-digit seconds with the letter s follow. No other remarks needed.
4h07
